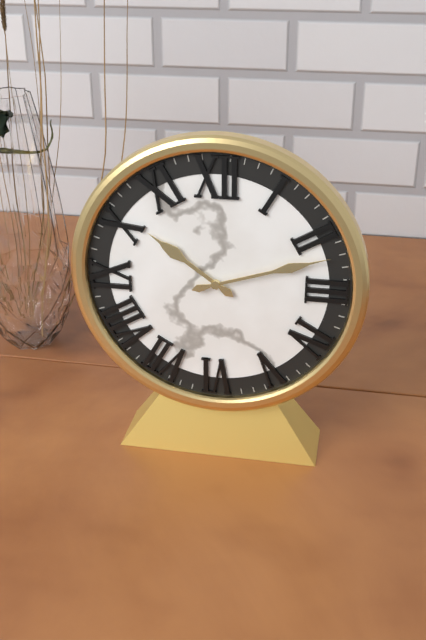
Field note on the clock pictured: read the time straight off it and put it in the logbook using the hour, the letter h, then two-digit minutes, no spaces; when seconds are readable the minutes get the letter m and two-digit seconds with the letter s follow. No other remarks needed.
10h12
